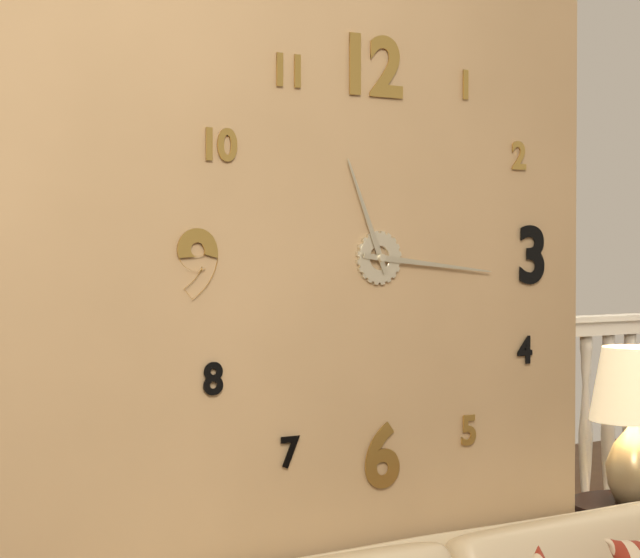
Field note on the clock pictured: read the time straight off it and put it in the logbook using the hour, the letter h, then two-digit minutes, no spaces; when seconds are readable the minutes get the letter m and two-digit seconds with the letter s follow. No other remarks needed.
11h16
